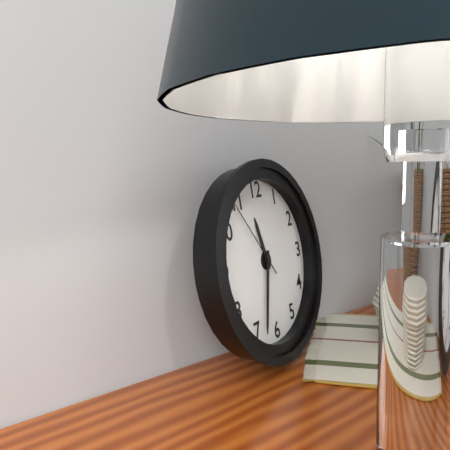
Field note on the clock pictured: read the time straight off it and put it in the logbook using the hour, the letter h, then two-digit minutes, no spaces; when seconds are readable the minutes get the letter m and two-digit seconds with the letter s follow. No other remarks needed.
11h33m54s
